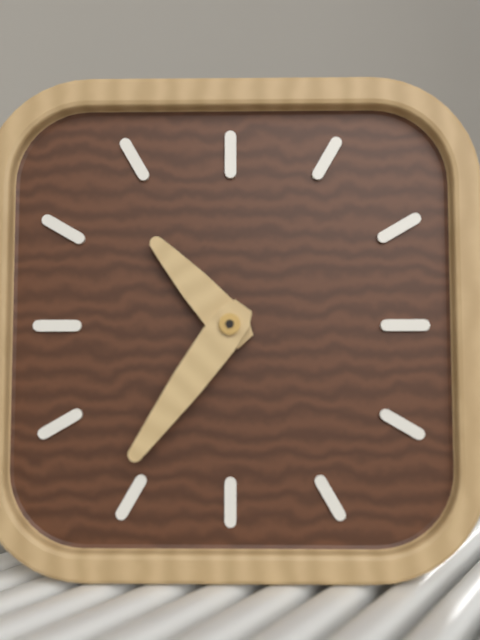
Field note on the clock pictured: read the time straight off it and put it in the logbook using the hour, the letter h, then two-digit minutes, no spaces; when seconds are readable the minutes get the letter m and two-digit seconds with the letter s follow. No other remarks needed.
10h36
